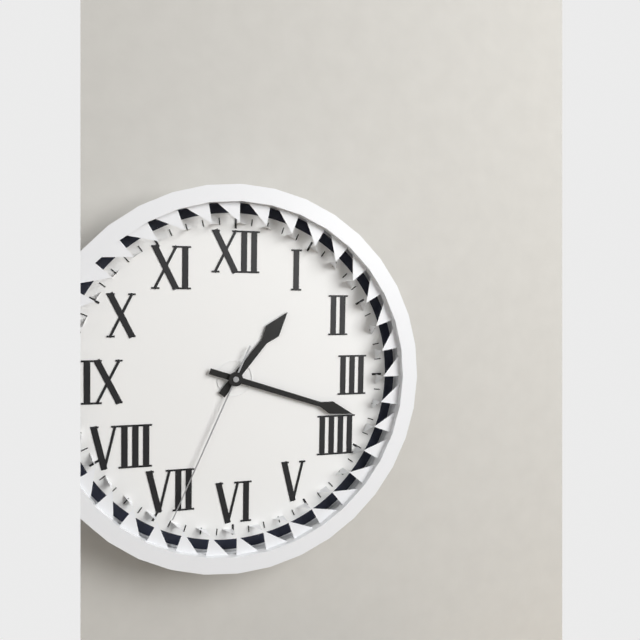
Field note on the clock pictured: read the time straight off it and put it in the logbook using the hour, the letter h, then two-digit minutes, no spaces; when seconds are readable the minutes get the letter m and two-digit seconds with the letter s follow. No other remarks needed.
1h18m34s
